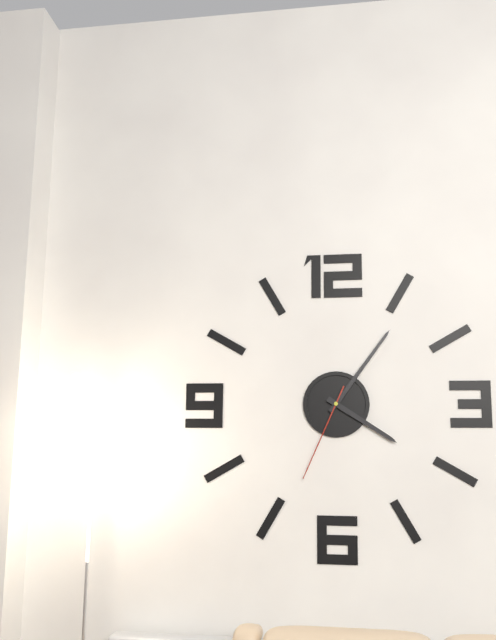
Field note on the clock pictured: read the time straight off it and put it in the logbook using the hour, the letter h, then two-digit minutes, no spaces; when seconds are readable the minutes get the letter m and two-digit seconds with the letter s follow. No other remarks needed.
4h06m34s
